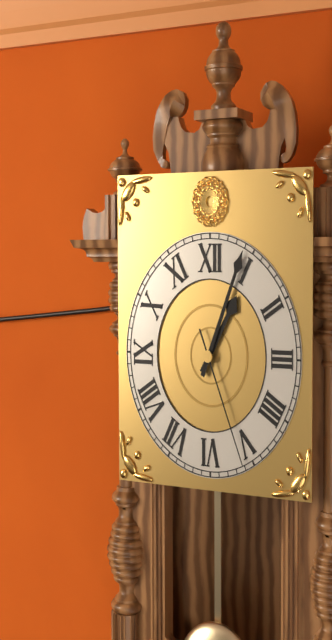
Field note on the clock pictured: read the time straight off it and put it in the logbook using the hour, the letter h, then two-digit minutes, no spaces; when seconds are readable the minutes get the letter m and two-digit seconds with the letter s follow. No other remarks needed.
1h04m26s
